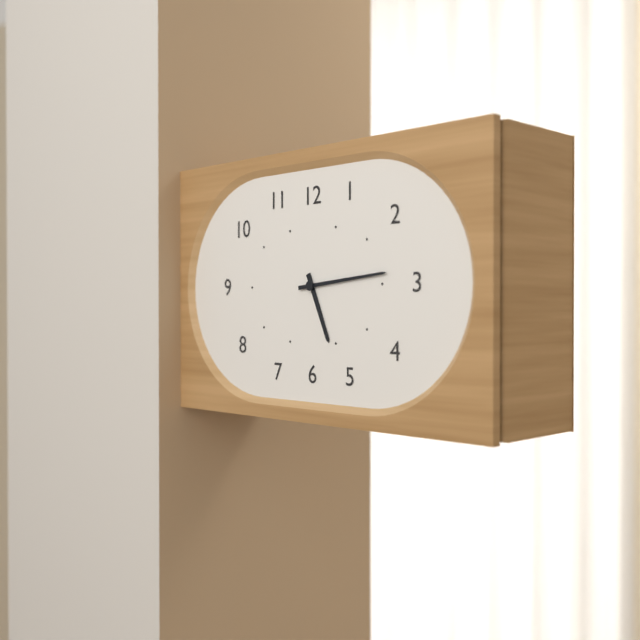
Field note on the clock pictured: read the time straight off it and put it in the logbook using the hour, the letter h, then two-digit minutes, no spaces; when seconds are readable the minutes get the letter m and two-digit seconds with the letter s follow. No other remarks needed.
5h14
